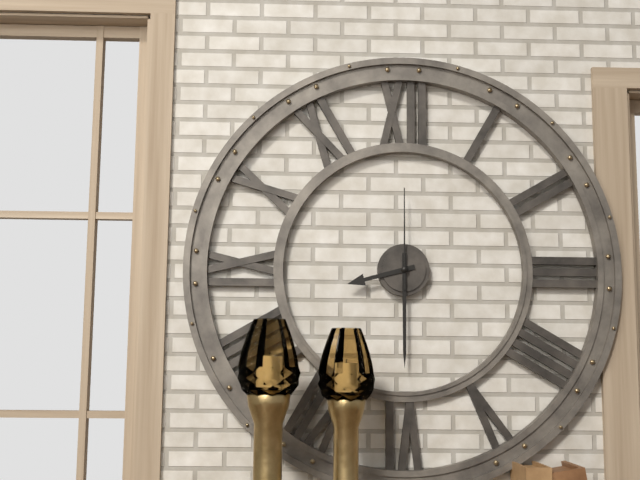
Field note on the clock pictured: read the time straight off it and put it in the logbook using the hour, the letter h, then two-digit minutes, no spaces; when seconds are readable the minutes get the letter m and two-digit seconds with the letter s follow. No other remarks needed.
8h30m00s
